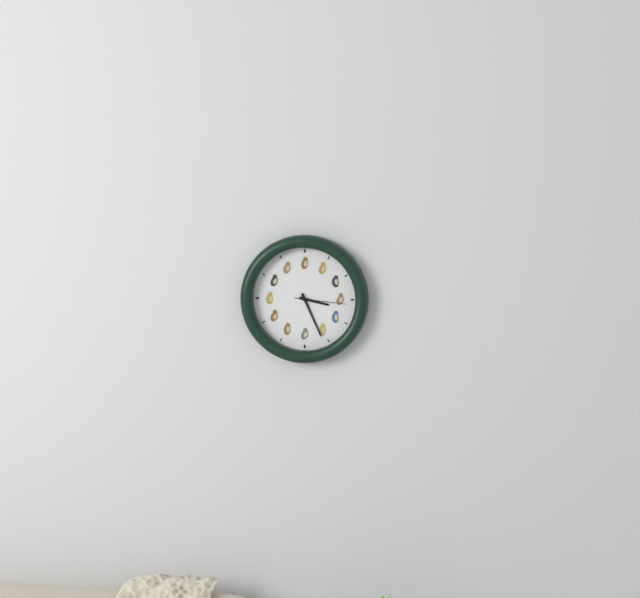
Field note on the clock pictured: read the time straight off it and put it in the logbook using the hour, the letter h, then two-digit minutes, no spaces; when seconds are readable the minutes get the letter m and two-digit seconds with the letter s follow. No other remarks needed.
3h26m16s
